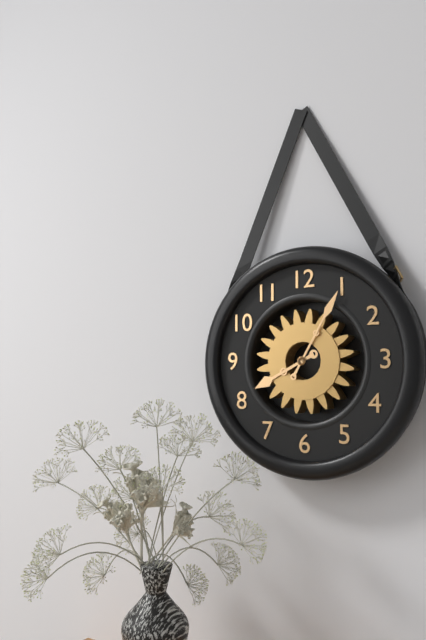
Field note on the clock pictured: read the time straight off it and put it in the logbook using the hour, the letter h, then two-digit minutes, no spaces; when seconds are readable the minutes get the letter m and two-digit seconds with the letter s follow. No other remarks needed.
8h05
